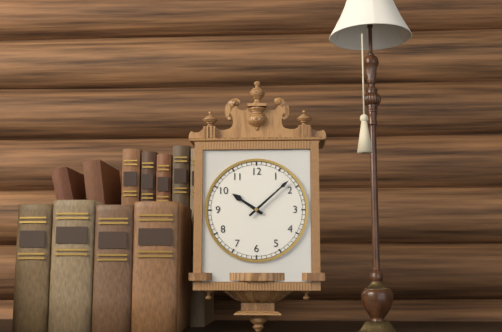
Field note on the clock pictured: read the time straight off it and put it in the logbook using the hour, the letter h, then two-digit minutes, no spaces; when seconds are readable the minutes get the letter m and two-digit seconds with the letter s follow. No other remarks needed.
10h08
